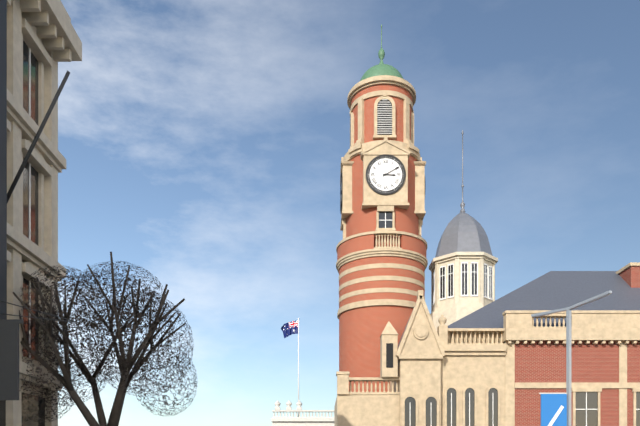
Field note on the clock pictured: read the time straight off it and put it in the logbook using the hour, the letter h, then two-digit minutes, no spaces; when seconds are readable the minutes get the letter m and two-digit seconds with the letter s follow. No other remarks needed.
3h10
